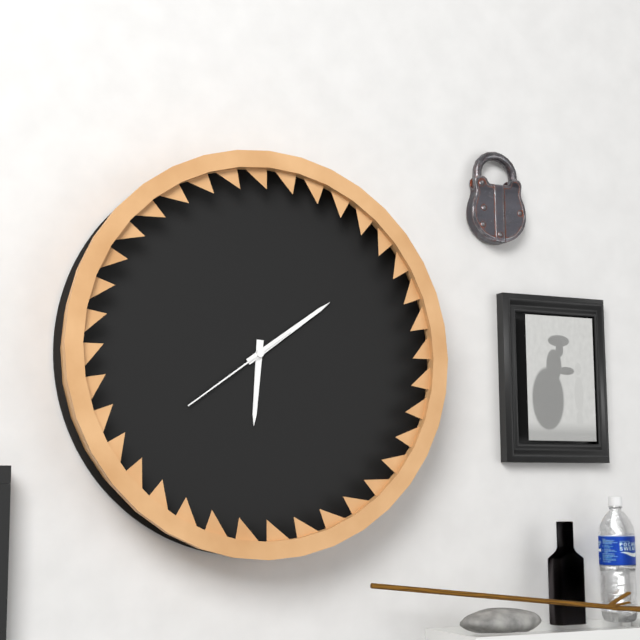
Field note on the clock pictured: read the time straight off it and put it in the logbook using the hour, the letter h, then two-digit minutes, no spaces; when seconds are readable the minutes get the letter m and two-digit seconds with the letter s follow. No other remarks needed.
6h09m39s
